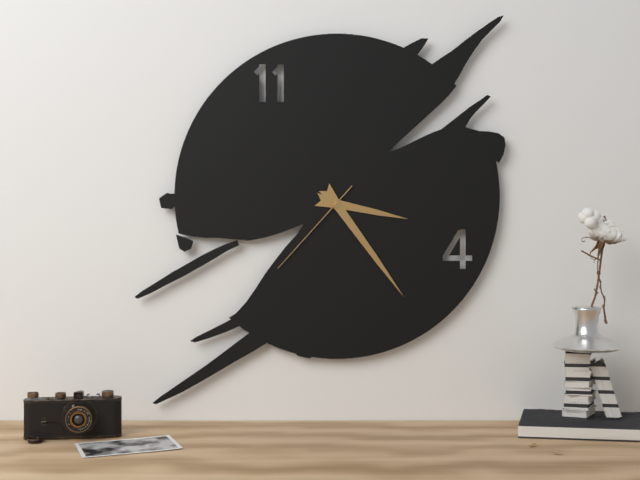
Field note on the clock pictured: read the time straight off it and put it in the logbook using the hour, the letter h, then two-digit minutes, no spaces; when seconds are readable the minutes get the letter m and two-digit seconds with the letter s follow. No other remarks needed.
3h24m37s
